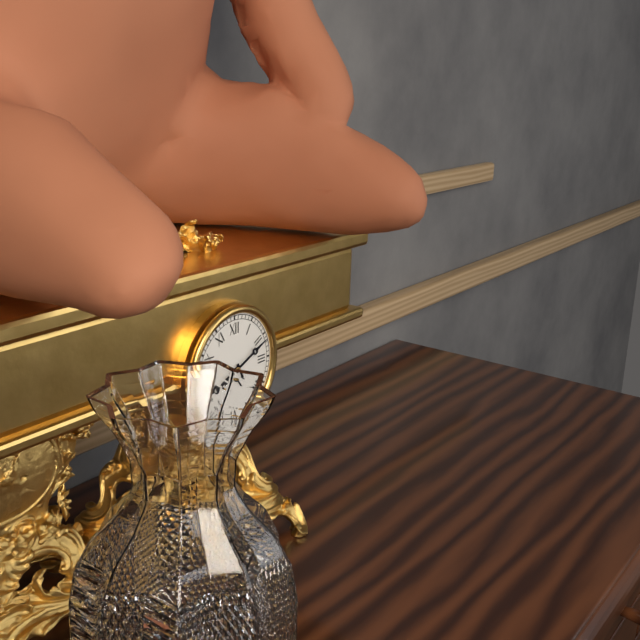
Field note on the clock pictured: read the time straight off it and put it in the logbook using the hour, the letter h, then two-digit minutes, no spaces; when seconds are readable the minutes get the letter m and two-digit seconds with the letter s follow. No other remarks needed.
8h11
